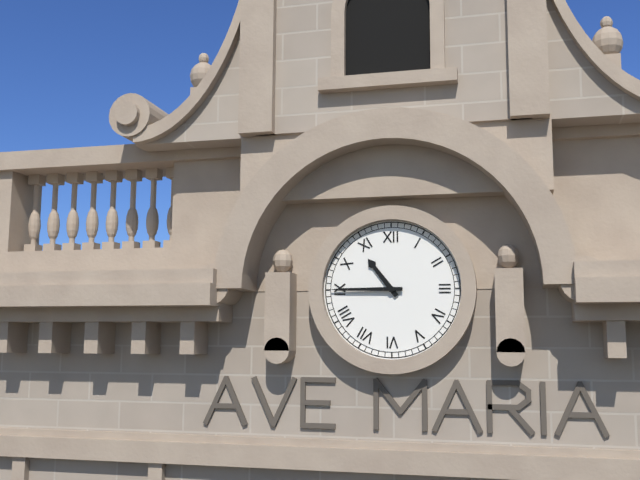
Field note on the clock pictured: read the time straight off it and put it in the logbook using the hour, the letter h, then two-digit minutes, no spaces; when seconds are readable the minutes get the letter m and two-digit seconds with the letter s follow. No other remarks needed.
10h45
